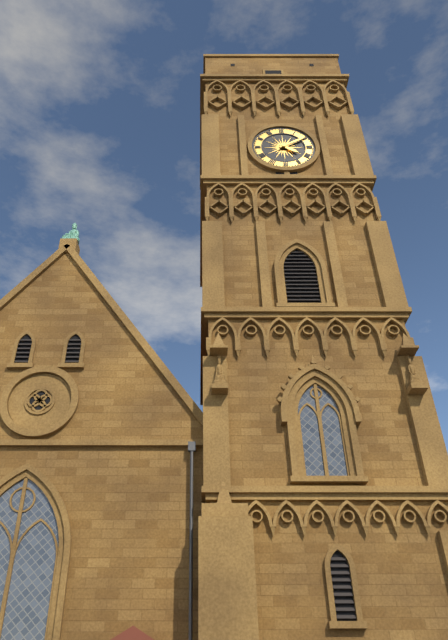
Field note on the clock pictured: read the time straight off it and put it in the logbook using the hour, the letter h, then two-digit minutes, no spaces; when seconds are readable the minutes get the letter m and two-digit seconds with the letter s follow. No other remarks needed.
4h10
